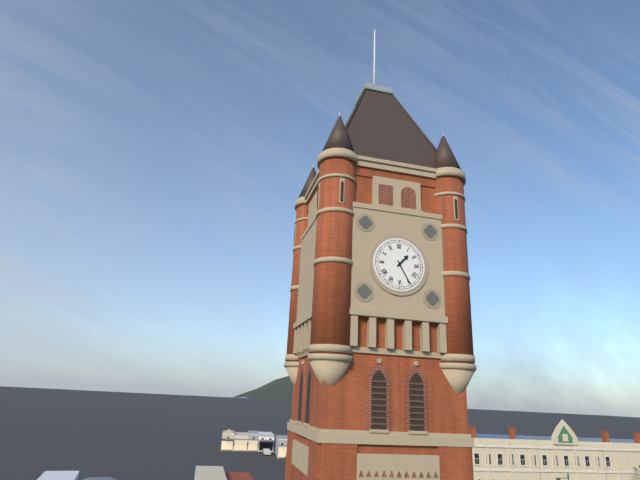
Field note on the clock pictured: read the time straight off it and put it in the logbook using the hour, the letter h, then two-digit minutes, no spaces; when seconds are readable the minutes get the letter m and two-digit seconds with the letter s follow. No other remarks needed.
1h25
